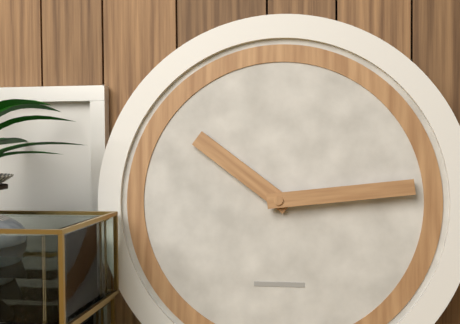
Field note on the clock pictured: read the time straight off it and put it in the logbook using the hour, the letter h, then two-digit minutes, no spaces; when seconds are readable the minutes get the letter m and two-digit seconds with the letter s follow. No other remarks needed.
10h14
